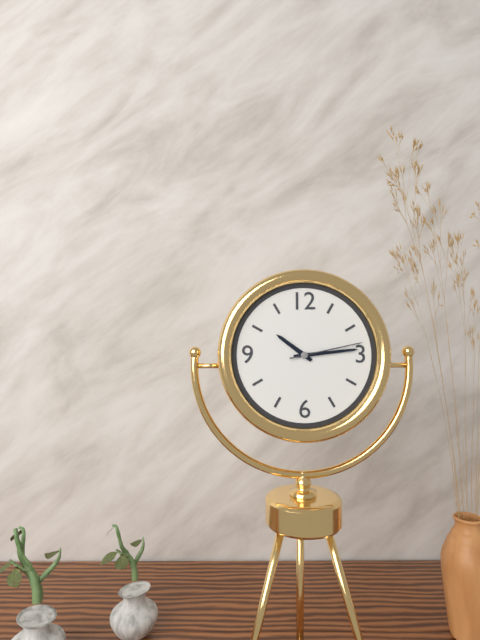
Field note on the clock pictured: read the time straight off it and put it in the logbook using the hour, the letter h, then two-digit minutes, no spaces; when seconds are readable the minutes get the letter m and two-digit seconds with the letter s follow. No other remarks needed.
10h14m13s
